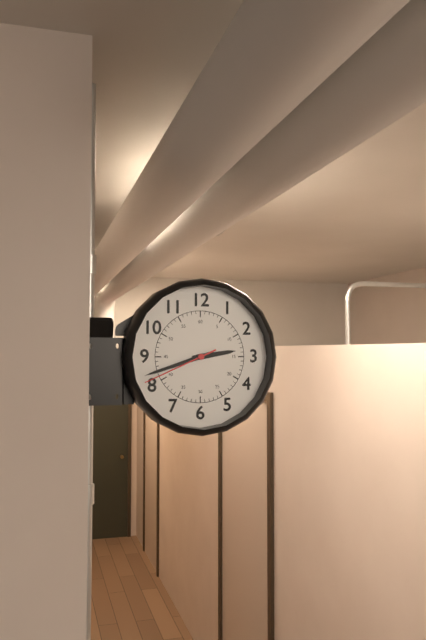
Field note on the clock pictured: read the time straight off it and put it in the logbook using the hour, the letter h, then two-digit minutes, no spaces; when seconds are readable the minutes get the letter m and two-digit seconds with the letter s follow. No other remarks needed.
2h42m41s
